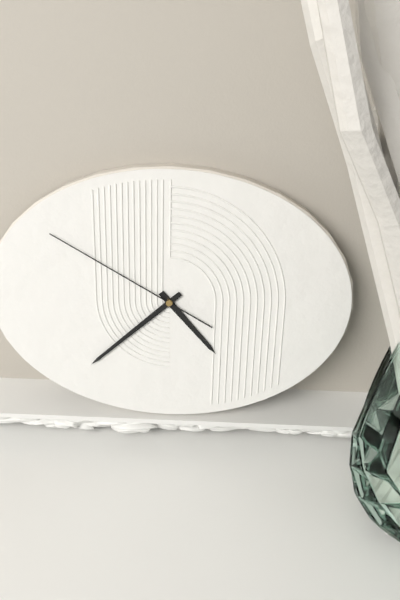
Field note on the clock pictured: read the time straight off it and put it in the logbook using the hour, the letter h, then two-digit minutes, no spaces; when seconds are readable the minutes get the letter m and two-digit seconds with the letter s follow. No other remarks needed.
4h38m50s
